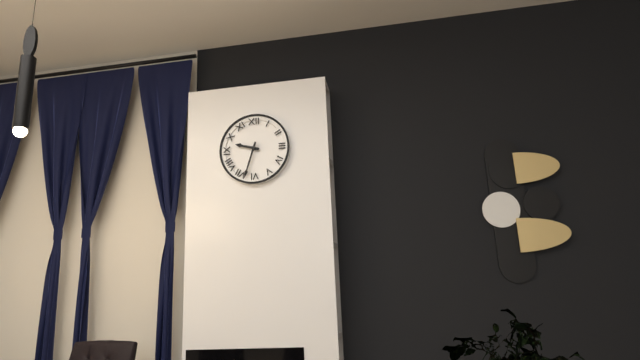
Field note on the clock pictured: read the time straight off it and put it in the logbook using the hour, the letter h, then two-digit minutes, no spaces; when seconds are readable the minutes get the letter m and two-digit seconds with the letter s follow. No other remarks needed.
9h33
